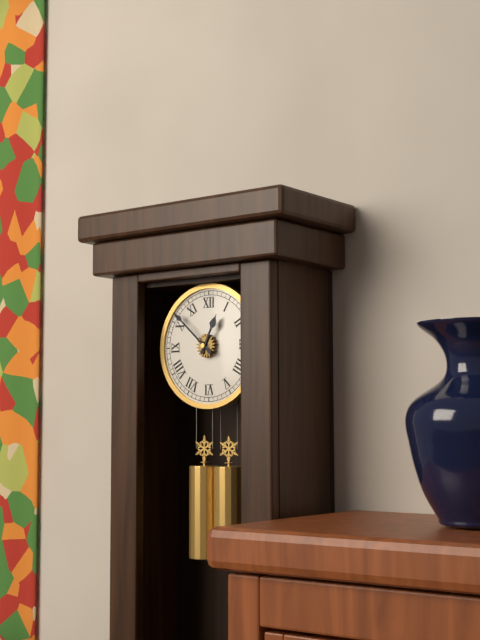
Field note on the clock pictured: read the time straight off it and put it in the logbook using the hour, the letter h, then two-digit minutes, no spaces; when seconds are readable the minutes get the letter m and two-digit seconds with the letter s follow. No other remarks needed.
12h52
